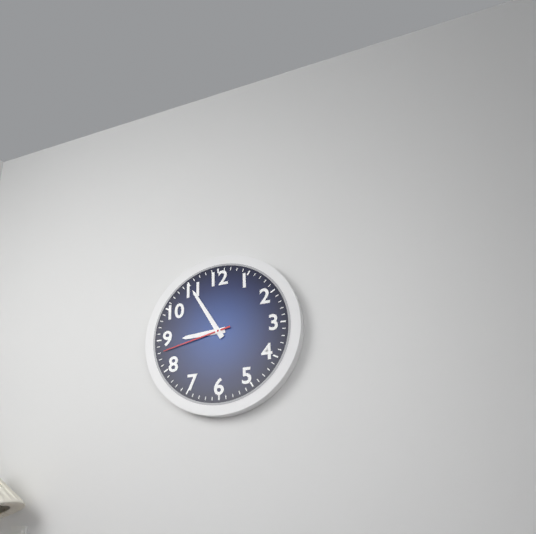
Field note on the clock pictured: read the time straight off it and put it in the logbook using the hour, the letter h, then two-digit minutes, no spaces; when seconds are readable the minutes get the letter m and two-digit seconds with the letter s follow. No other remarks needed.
8h55m43s
